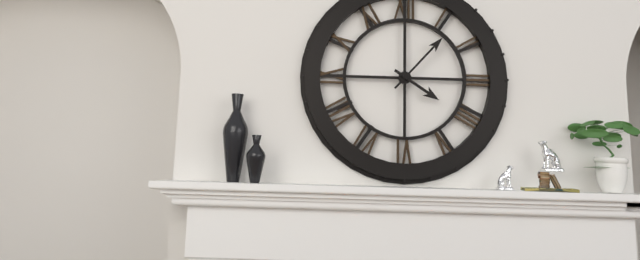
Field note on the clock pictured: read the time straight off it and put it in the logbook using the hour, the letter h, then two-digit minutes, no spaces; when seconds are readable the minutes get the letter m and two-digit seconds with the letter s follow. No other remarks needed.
4h07
